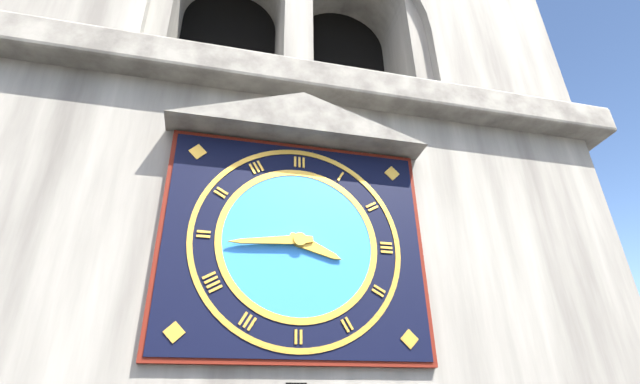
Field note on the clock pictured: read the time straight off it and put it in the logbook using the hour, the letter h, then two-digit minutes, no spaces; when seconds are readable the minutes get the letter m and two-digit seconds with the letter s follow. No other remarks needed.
3h44
